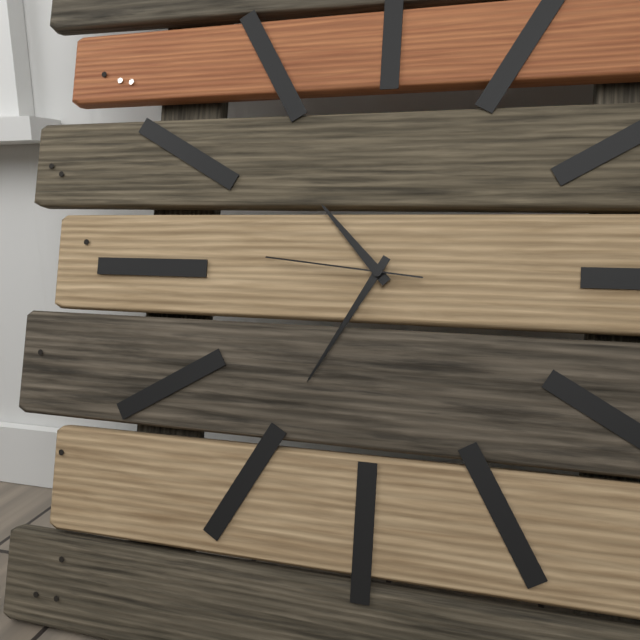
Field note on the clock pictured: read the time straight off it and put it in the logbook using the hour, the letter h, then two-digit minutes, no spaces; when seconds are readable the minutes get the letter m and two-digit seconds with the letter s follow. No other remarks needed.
10h35m46s
